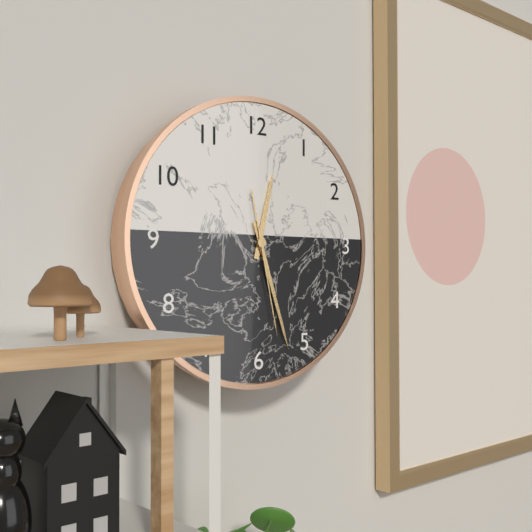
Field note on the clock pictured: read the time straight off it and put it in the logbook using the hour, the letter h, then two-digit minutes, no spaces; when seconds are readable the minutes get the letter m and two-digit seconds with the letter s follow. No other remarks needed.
12h27m28s
